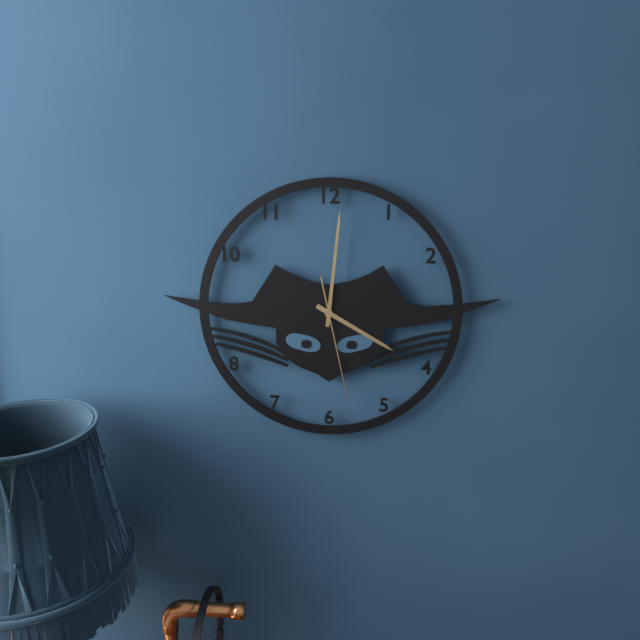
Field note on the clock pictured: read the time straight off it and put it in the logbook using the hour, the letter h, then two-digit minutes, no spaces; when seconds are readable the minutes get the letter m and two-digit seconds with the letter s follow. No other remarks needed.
4h01m28s
